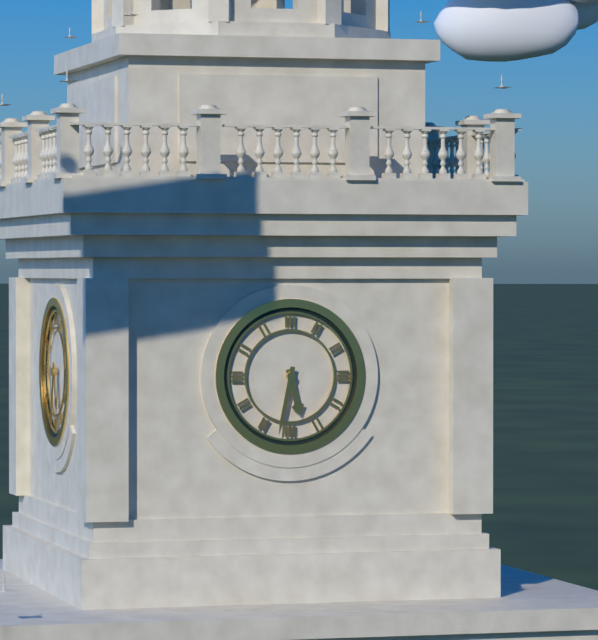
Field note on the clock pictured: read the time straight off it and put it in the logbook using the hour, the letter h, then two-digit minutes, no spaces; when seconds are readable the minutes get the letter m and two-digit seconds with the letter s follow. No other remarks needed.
5h32
